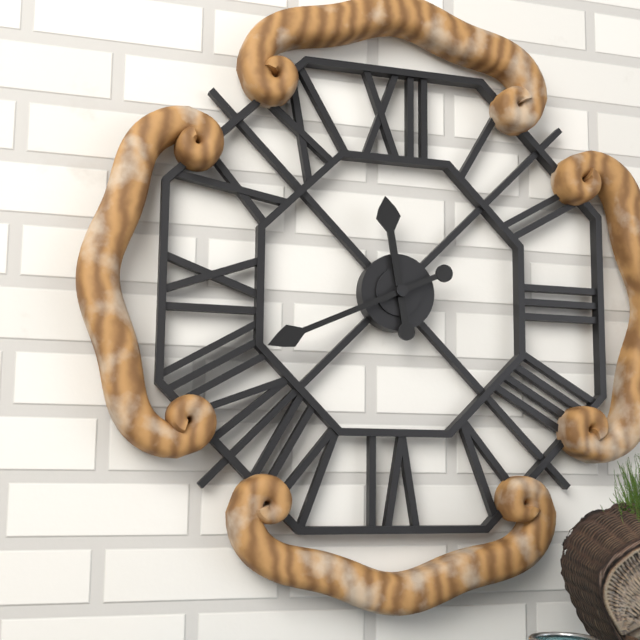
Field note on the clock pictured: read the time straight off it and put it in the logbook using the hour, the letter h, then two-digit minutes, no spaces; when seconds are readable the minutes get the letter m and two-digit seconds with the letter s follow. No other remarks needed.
11h41
